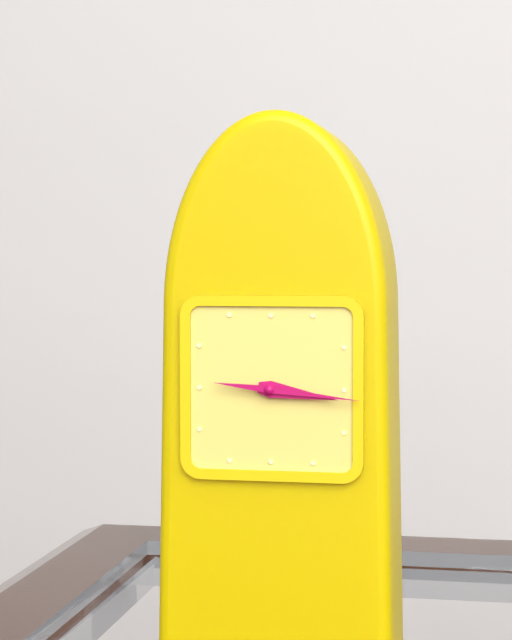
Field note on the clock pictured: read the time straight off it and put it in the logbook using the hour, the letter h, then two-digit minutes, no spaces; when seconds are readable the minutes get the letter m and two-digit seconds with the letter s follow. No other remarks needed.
3h16
